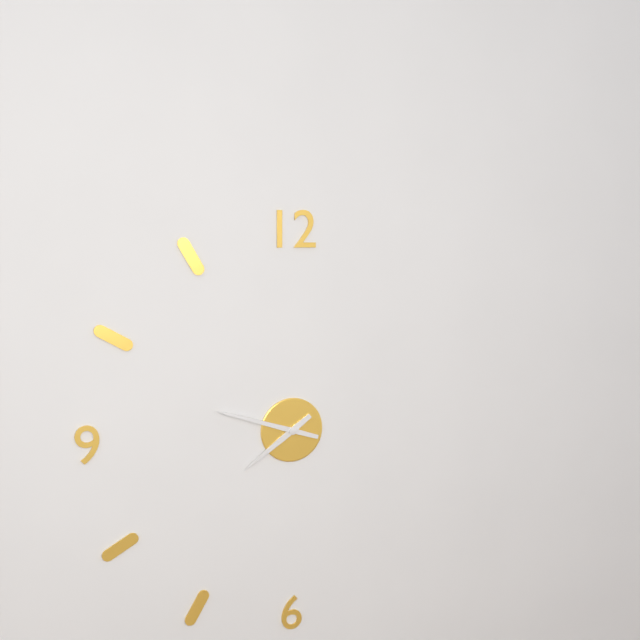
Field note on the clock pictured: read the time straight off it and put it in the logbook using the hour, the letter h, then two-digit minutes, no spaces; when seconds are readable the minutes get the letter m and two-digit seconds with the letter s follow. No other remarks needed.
7h48
